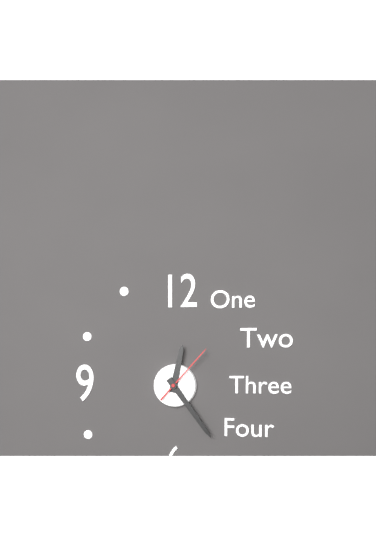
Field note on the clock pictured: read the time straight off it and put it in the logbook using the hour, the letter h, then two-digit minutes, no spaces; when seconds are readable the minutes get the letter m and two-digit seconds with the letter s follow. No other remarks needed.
12h24m07s
